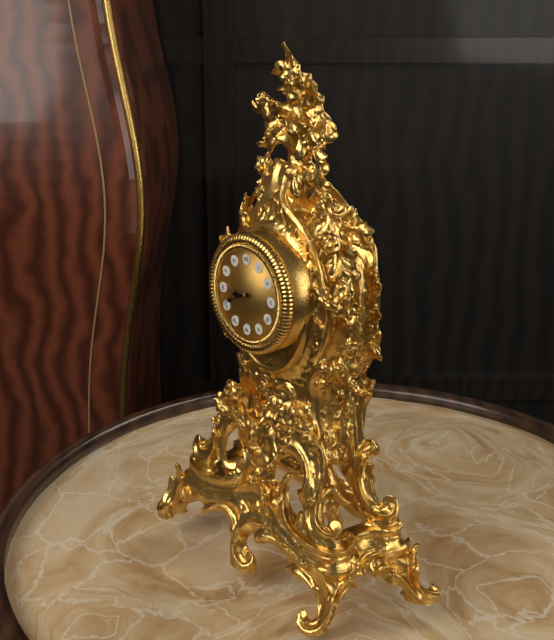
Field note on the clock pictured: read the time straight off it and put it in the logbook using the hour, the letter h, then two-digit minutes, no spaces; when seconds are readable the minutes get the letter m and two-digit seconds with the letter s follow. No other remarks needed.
8h41
